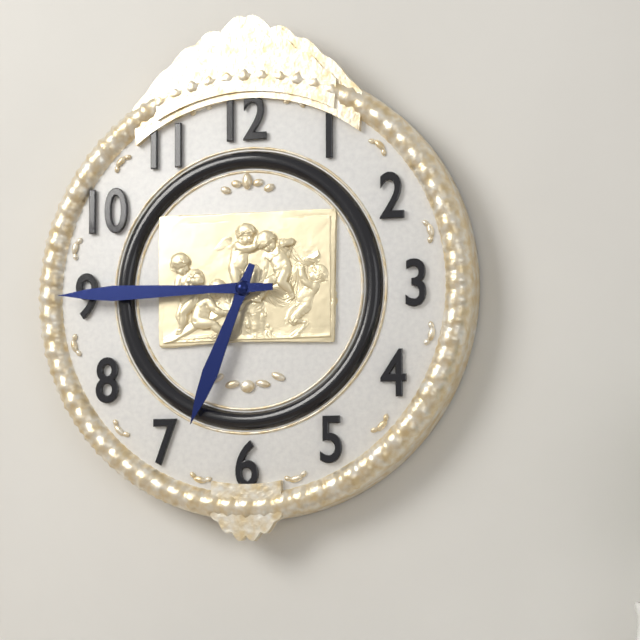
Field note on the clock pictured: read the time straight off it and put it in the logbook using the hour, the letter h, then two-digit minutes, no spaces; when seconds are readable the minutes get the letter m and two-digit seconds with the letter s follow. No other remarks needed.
6h45
